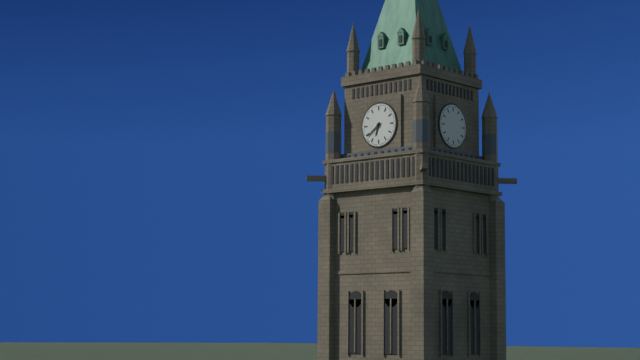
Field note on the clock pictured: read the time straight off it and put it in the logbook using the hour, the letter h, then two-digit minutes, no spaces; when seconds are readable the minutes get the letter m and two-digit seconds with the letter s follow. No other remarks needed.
6h39
